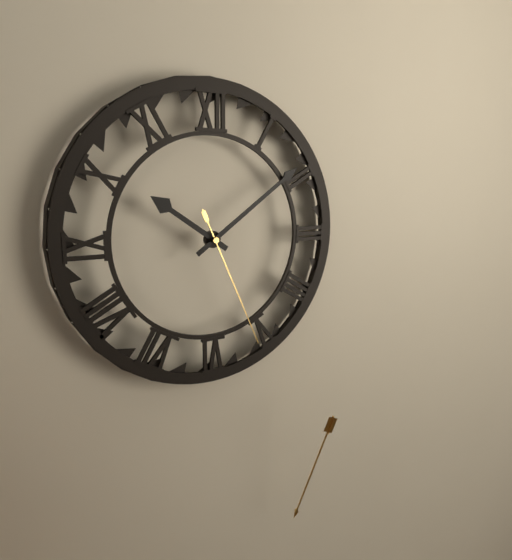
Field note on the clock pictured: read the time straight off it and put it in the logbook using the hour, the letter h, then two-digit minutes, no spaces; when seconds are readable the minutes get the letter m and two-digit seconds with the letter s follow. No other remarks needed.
10h09m26s
